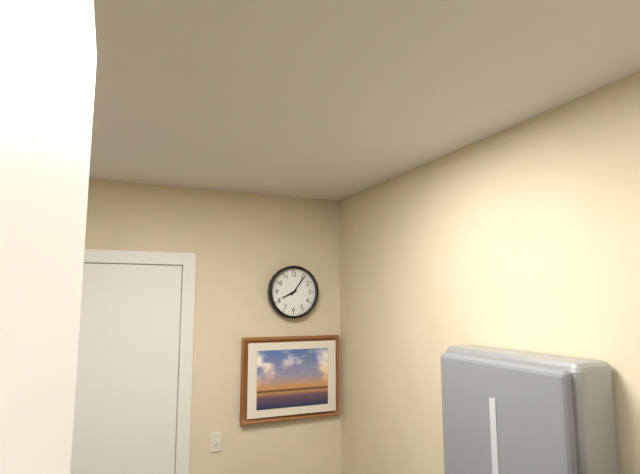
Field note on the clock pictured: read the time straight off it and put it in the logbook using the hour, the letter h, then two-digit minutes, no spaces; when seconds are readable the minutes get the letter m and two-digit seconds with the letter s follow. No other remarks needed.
8h06
